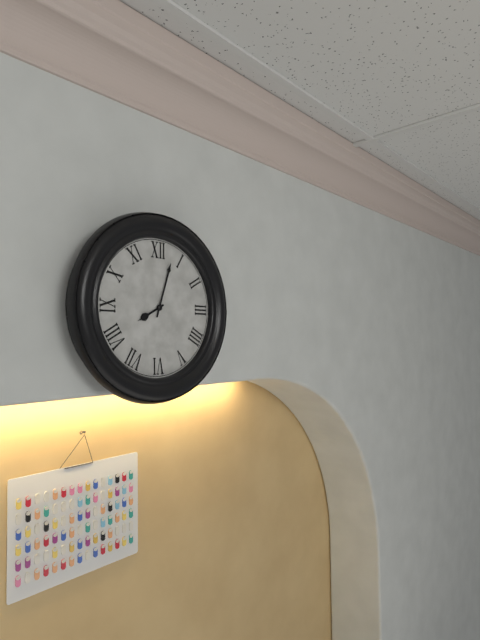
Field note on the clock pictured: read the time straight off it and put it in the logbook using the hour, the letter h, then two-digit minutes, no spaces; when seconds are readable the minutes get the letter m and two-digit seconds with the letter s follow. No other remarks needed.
8h03
